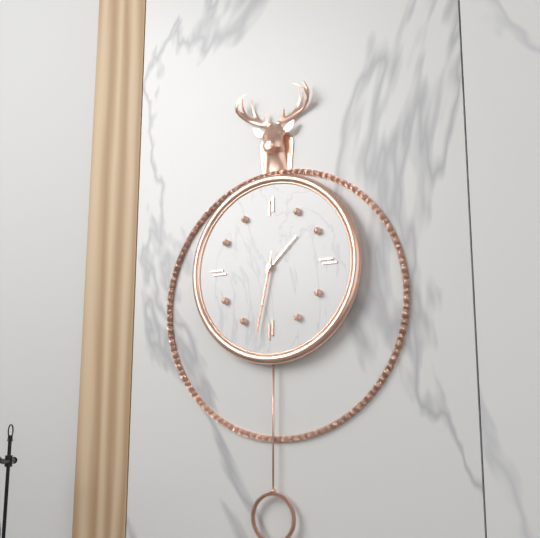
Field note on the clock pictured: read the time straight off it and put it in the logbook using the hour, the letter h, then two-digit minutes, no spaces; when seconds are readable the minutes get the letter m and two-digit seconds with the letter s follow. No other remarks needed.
1h32m32s
